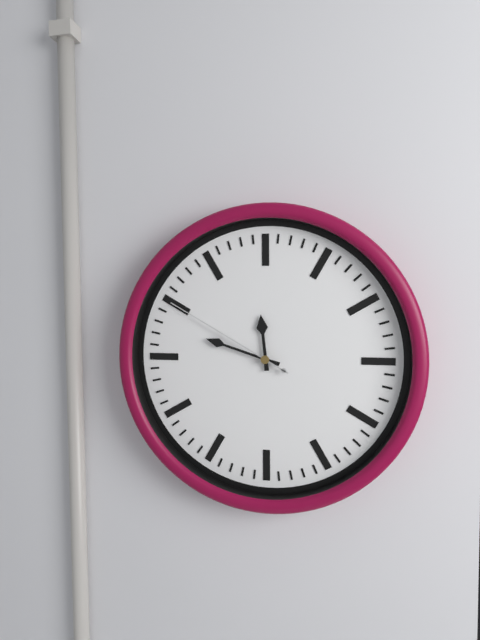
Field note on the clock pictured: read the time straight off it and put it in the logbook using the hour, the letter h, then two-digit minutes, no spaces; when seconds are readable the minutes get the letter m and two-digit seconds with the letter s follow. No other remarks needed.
11h48m50s
